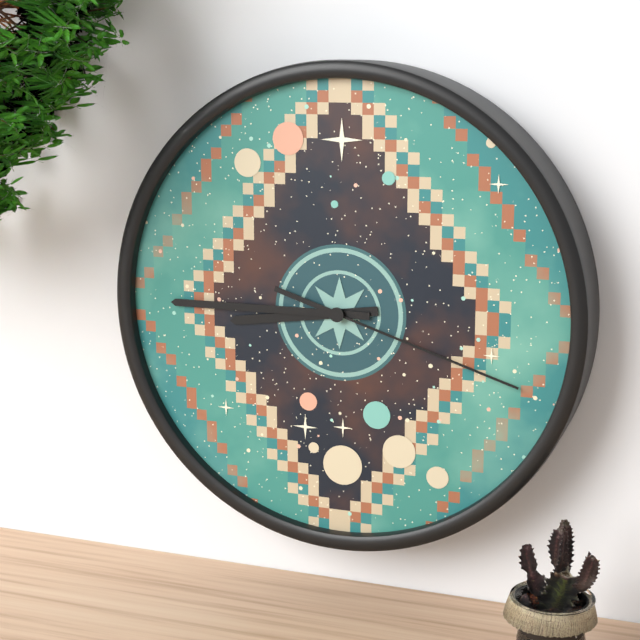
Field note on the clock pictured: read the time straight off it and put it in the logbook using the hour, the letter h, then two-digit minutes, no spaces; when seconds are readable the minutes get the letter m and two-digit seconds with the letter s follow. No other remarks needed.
8h45m18s
